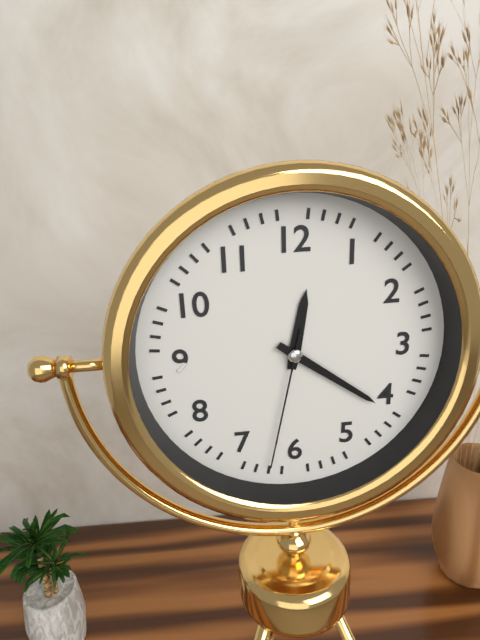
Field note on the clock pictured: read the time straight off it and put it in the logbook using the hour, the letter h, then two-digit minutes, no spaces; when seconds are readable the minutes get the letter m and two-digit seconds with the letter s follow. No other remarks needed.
12h21m32s
